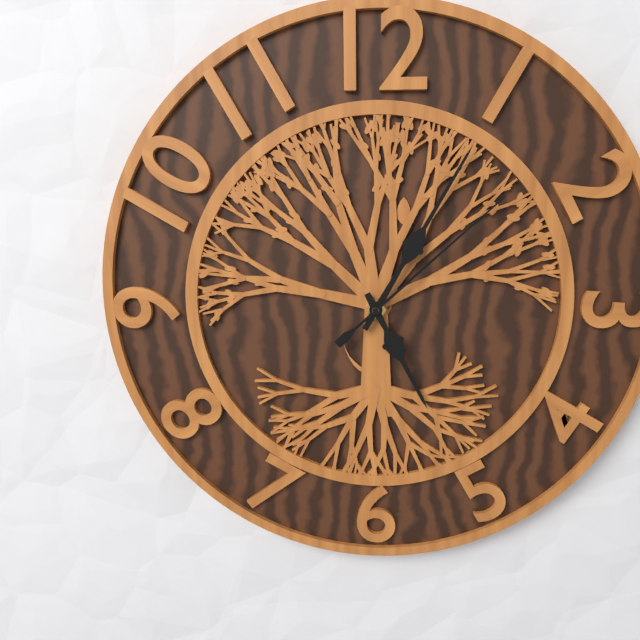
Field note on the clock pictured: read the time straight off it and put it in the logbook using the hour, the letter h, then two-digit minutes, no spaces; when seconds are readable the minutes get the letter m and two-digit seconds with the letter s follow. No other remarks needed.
5h05m08s
